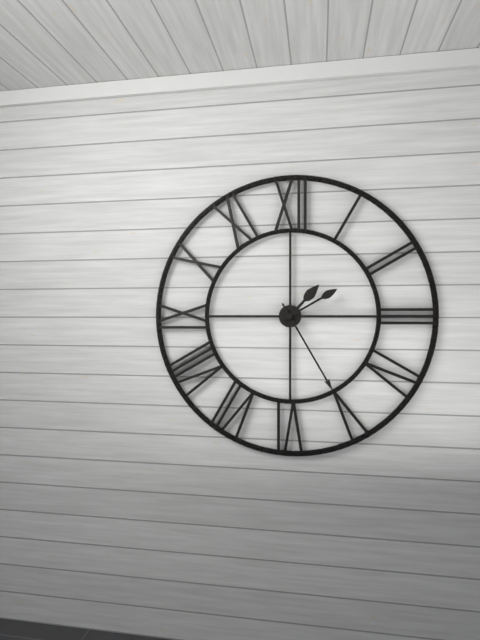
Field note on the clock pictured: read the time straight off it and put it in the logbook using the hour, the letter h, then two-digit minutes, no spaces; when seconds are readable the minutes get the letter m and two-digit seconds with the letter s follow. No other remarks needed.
1h25m10s
